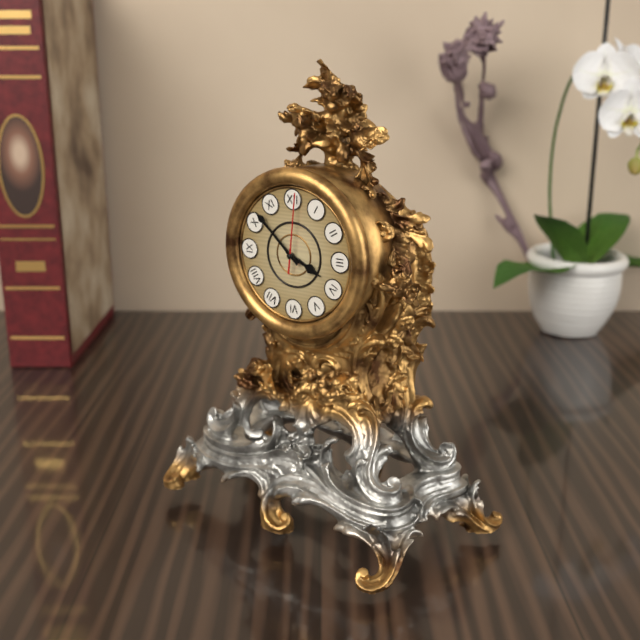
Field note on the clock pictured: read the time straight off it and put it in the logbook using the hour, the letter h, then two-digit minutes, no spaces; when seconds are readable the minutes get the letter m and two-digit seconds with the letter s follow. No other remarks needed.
3h52m01s
